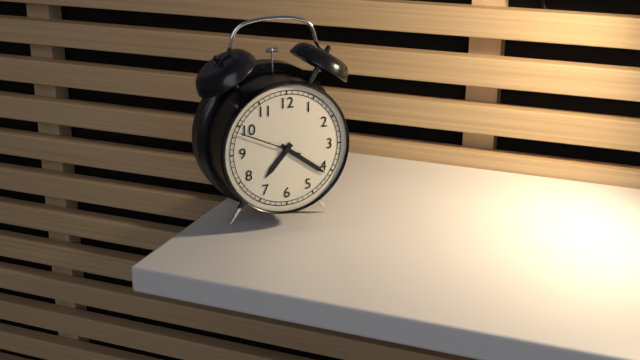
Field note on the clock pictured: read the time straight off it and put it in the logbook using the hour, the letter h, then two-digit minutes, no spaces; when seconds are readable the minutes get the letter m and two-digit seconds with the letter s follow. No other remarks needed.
7h21m49s
